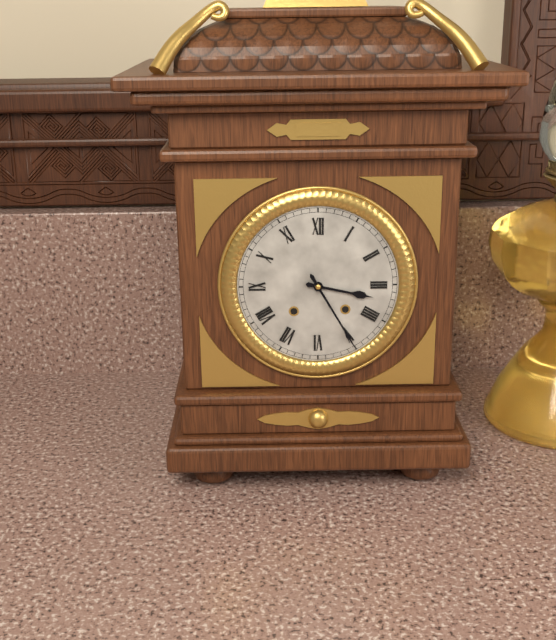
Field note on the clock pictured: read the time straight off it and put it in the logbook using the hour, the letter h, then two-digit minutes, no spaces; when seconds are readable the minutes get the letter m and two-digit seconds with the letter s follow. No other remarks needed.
3h25
